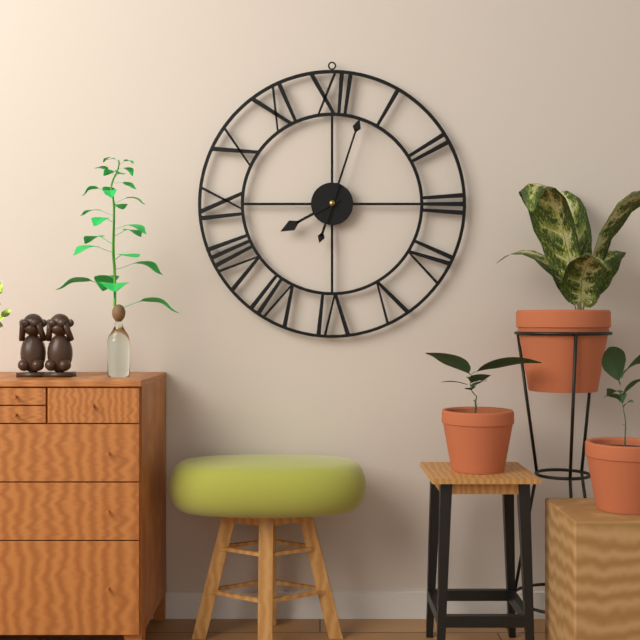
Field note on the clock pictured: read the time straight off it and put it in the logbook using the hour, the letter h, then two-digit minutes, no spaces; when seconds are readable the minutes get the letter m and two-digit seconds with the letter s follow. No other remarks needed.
8h03
